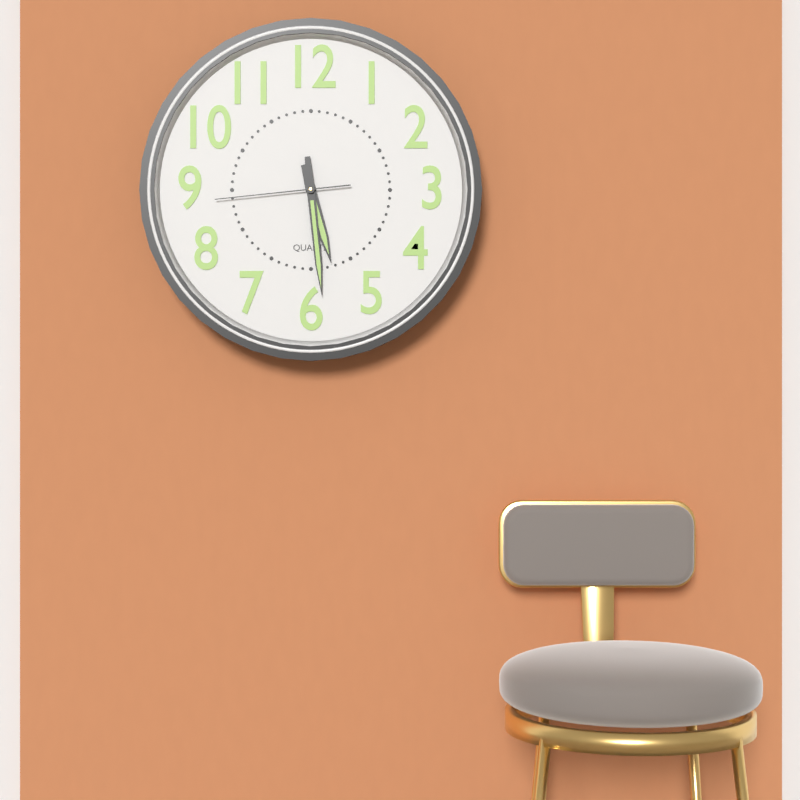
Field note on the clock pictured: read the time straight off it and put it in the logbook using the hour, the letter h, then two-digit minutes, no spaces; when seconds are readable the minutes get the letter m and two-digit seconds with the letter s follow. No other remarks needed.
5h29m44s
